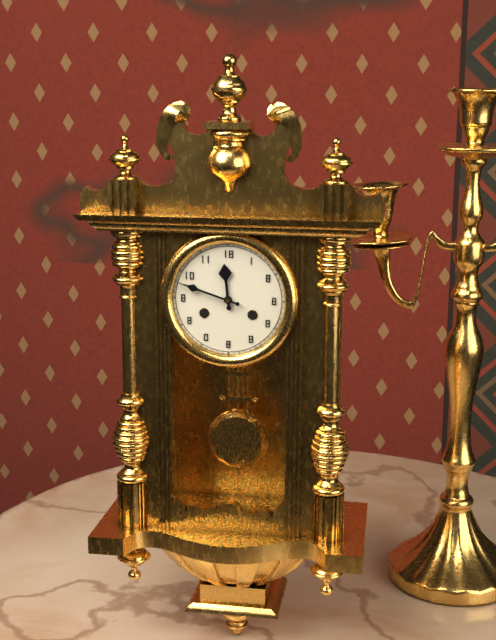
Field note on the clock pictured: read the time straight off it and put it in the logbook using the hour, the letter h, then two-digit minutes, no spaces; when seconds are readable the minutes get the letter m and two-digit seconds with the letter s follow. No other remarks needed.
11h48
